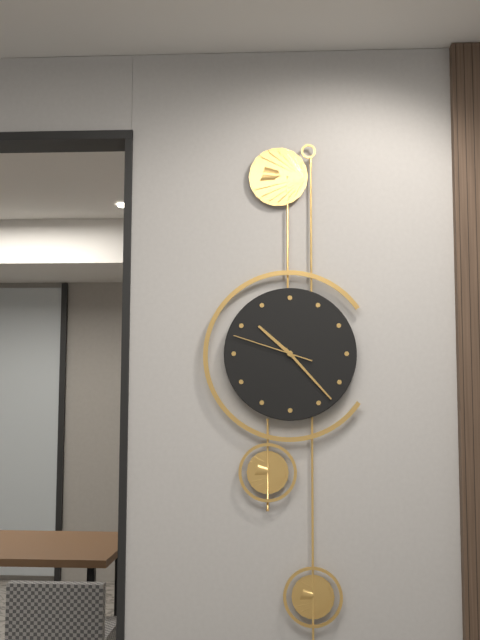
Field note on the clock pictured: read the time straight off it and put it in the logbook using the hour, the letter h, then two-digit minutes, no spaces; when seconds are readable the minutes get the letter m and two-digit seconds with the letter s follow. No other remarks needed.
10h23m48s
